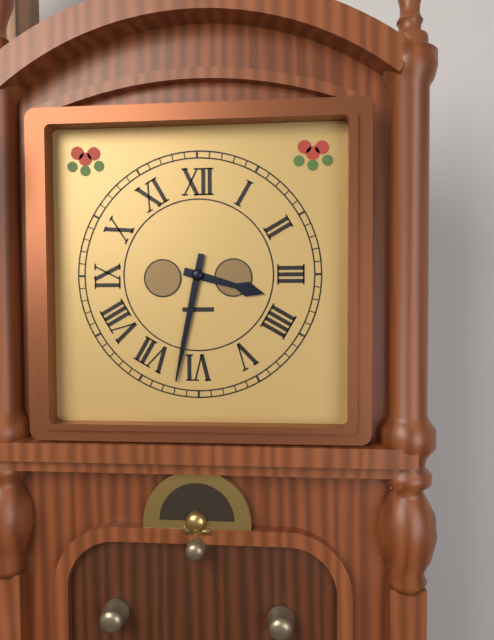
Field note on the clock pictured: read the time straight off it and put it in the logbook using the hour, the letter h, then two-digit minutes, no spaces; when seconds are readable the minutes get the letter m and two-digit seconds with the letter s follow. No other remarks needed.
3h32
